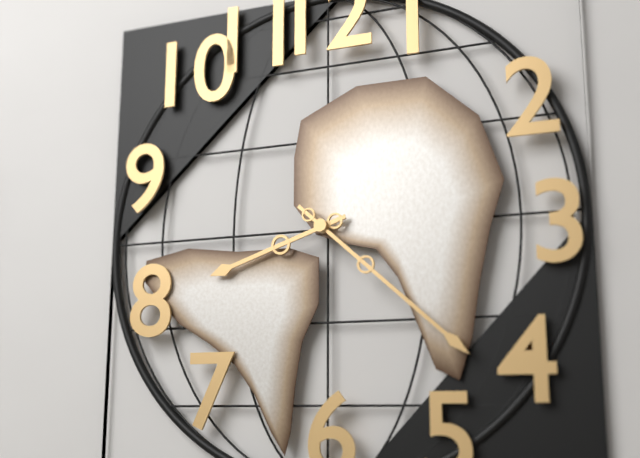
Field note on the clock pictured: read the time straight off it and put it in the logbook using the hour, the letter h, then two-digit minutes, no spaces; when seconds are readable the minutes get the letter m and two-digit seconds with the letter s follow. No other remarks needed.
8h22
